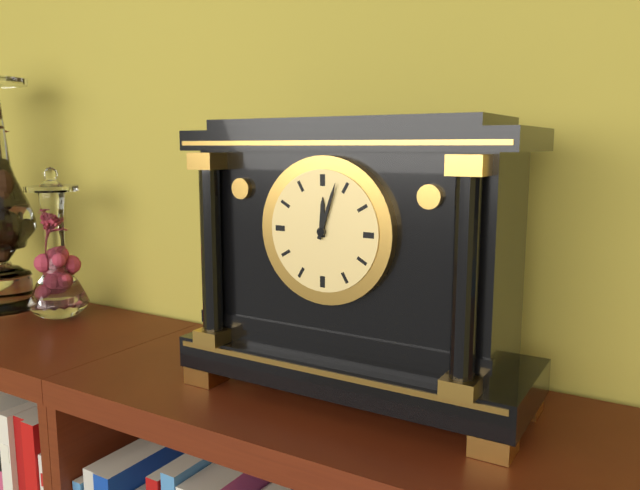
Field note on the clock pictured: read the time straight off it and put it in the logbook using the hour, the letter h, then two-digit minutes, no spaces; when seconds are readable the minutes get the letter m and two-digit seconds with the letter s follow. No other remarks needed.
12h03
